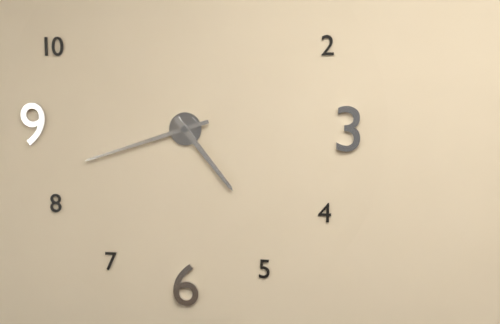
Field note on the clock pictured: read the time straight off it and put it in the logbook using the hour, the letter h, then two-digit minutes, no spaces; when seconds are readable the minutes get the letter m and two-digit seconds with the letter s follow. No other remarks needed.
4h42
